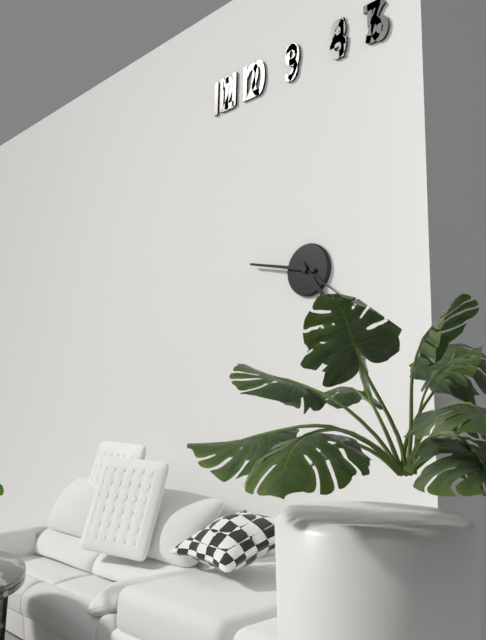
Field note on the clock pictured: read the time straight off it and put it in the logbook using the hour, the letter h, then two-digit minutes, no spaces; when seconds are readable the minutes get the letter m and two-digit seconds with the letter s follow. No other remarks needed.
4h47
